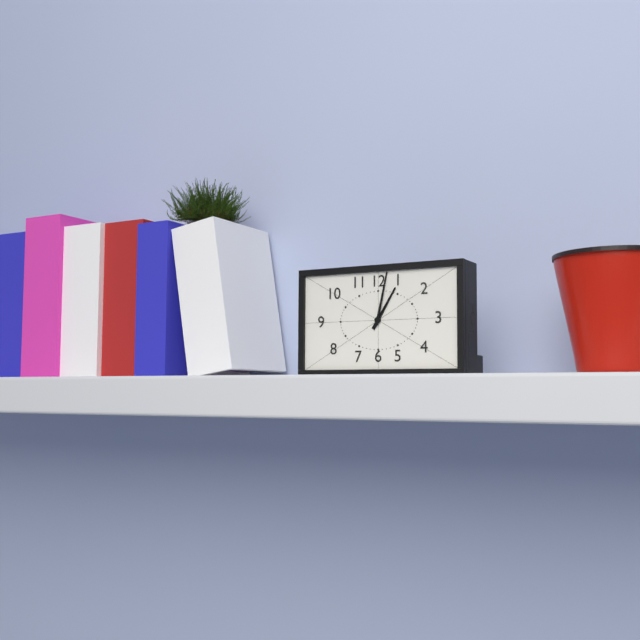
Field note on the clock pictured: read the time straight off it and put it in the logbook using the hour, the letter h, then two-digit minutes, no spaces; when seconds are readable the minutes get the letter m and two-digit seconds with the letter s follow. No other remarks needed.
1h02
